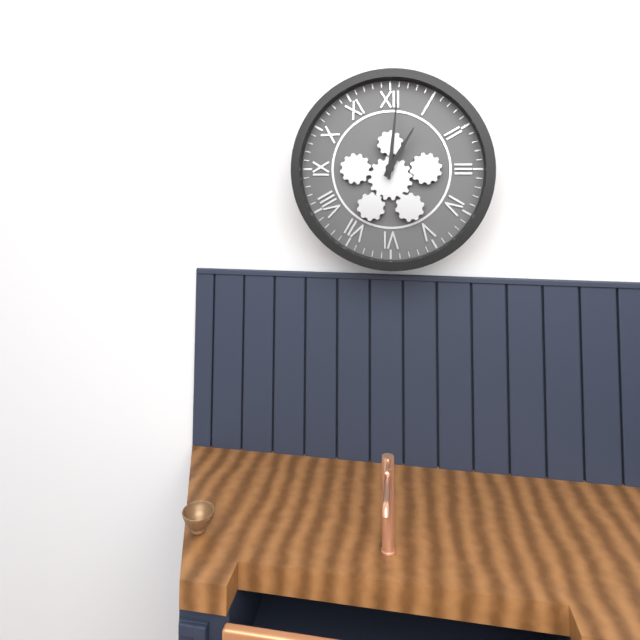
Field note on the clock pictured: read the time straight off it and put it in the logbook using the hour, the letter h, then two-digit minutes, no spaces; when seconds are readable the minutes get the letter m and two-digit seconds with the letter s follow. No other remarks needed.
1h01
